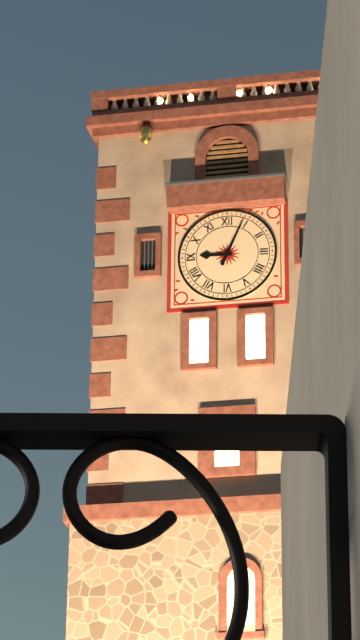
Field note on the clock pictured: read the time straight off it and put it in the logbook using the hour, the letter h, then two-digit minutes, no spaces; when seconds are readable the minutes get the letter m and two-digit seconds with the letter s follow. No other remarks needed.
9h04
